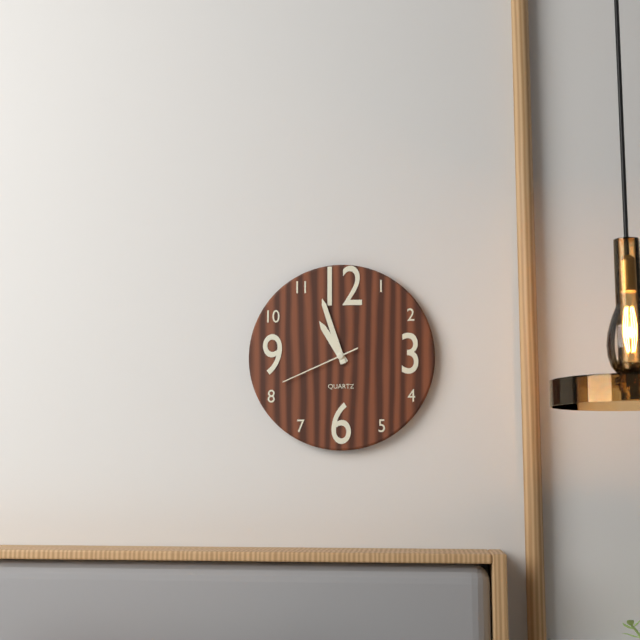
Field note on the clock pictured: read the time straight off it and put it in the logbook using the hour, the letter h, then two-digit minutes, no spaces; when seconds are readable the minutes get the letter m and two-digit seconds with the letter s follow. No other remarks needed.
10h57m41s
